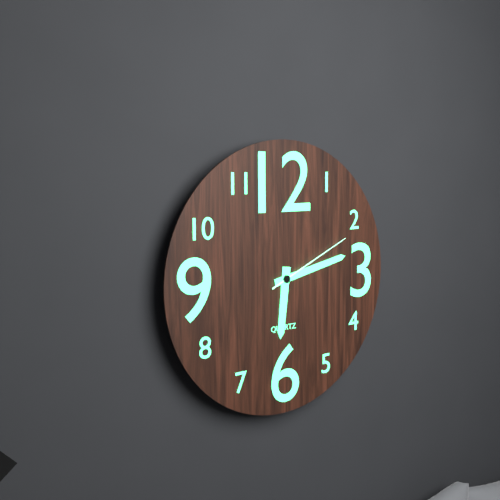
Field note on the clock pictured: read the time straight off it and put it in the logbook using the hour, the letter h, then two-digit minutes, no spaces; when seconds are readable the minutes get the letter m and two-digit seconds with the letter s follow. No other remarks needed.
6h13m11s
